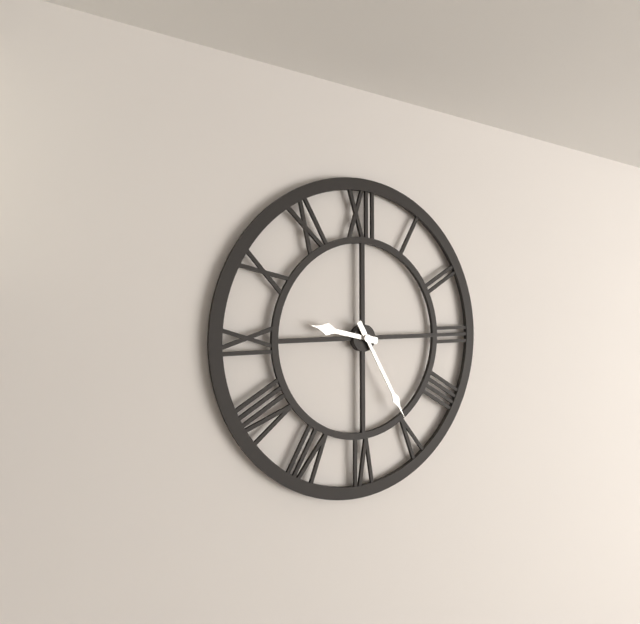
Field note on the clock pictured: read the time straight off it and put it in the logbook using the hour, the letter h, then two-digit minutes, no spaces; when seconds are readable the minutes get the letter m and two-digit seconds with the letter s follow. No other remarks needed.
9h25
